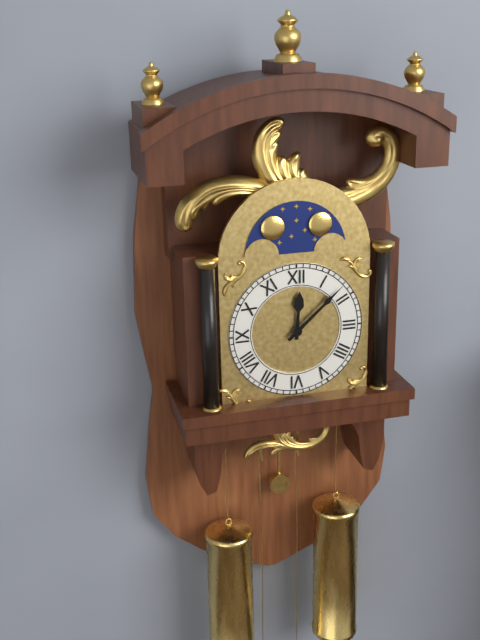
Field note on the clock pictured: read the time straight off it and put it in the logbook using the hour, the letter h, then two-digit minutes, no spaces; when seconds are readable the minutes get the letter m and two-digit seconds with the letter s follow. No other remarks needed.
12h08
